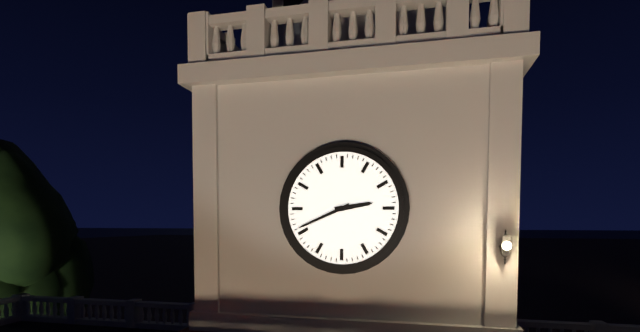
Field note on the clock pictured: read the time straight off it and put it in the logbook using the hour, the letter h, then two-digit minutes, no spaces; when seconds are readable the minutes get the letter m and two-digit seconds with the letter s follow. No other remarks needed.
2h41
